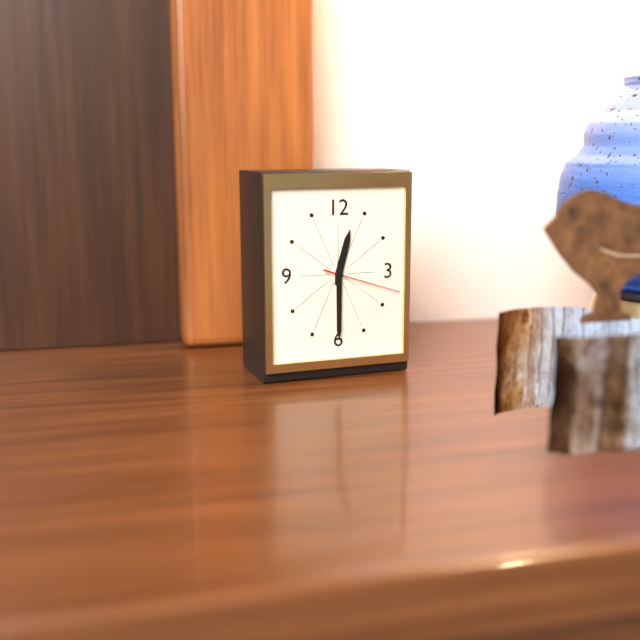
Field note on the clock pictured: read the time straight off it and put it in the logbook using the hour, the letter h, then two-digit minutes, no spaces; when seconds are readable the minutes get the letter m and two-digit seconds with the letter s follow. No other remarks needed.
12h30m18s
